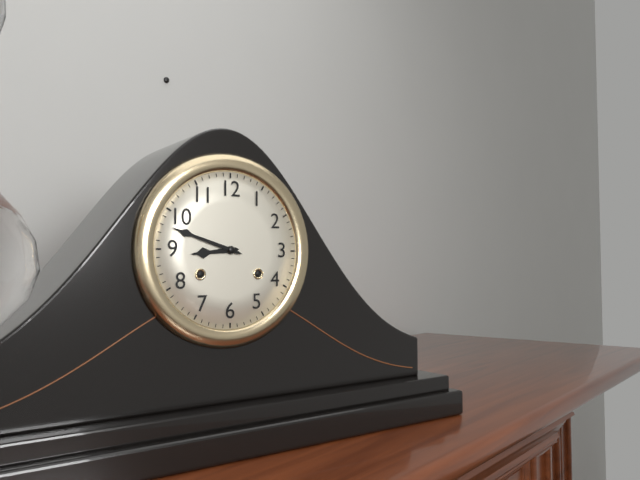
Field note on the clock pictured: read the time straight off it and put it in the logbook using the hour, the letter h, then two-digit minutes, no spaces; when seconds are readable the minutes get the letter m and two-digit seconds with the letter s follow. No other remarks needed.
8h48
